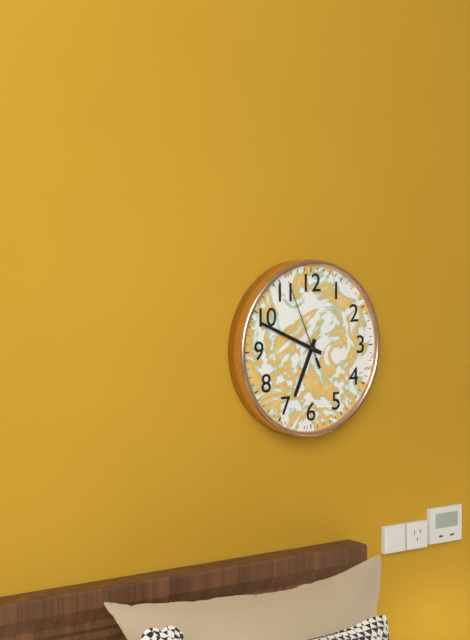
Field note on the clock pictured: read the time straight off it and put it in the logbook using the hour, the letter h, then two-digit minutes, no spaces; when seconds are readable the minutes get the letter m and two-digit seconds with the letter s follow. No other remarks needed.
6h49m56s
